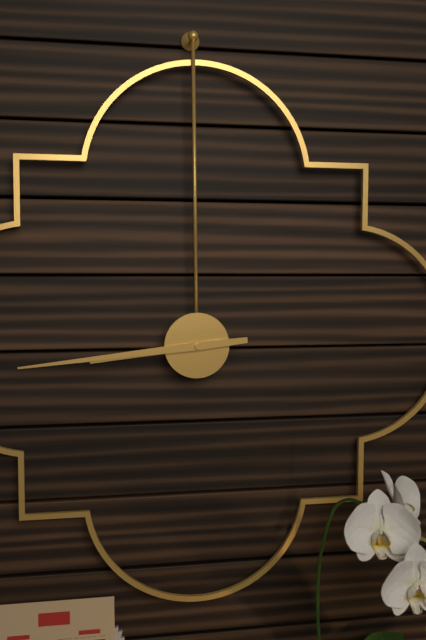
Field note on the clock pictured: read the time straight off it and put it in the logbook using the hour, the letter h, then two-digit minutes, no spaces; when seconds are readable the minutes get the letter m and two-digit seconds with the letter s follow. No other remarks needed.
8h44
